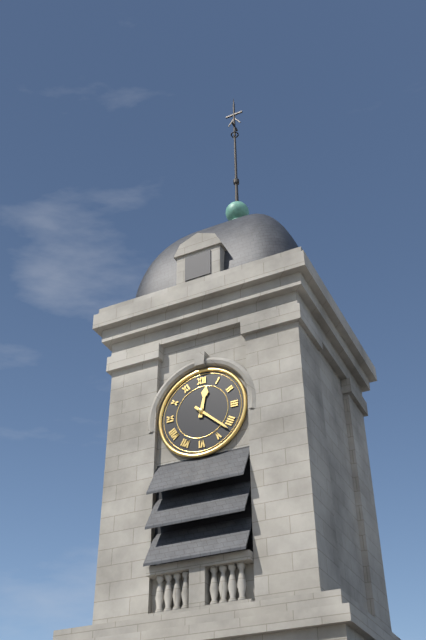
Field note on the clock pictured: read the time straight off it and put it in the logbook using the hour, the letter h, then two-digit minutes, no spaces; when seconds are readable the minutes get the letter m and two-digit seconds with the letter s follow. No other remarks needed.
12h22
